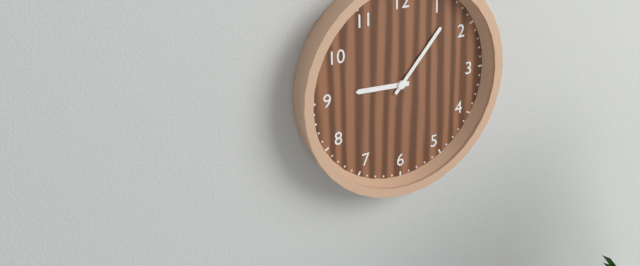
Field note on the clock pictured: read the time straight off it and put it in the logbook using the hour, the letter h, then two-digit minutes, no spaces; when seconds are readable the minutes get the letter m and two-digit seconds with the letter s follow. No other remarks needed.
9h07
